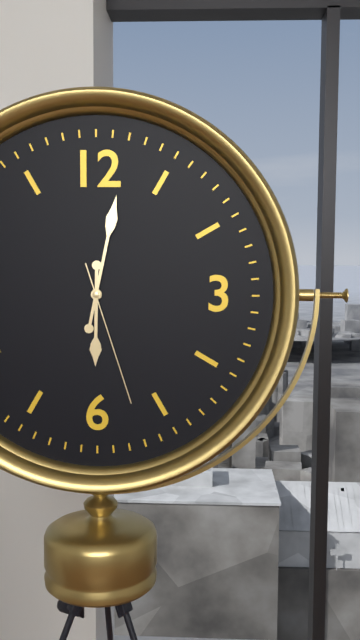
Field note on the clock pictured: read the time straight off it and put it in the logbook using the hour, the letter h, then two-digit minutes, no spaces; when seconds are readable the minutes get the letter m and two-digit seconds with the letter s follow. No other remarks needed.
6h02m27s
